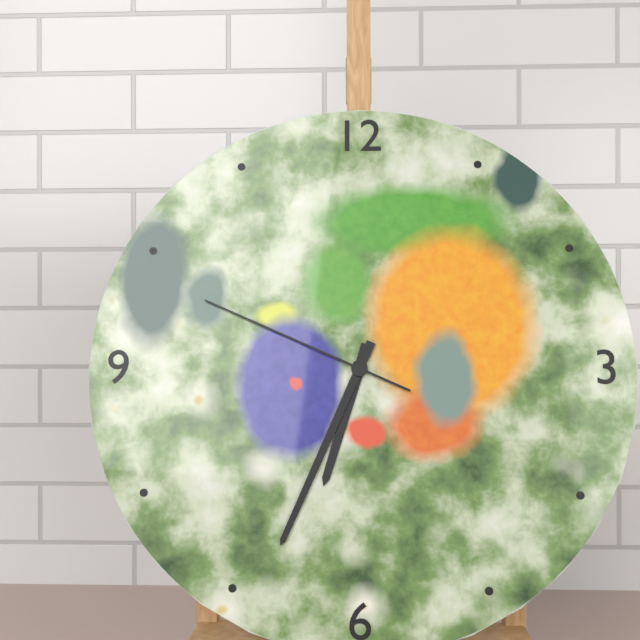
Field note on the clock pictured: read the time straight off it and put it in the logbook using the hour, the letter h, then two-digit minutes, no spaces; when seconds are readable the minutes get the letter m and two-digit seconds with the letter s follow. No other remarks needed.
6h34m49s
